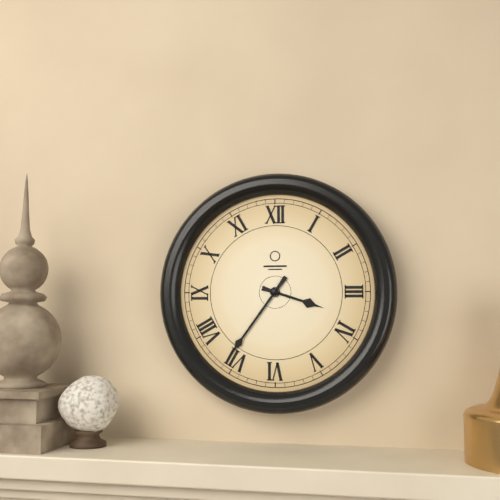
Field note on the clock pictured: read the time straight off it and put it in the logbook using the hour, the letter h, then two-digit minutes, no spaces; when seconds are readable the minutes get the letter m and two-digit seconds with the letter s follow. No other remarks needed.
3h36
